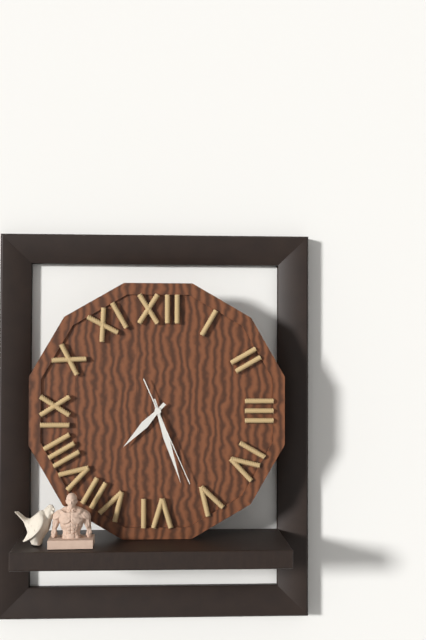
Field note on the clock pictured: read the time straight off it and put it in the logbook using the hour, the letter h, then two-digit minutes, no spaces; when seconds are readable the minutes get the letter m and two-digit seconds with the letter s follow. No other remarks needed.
7h27m26s
